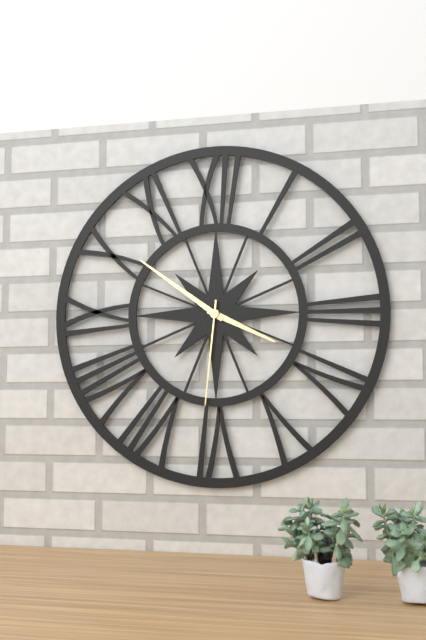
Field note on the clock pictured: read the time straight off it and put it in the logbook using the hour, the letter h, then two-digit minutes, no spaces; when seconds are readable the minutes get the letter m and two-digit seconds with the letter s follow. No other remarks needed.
3h51m31s
